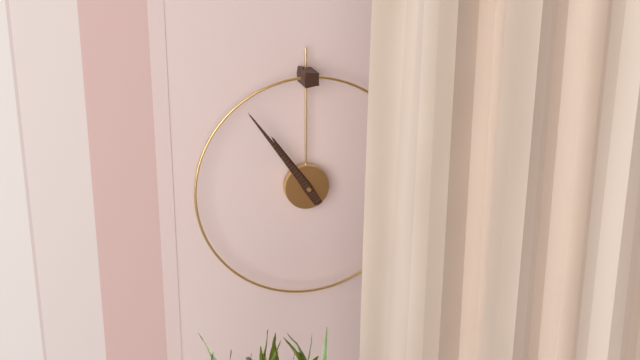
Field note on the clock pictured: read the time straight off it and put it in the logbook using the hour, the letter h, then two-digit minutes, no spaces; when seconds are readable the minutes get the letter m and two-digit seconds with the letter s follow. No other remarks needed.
10h54
